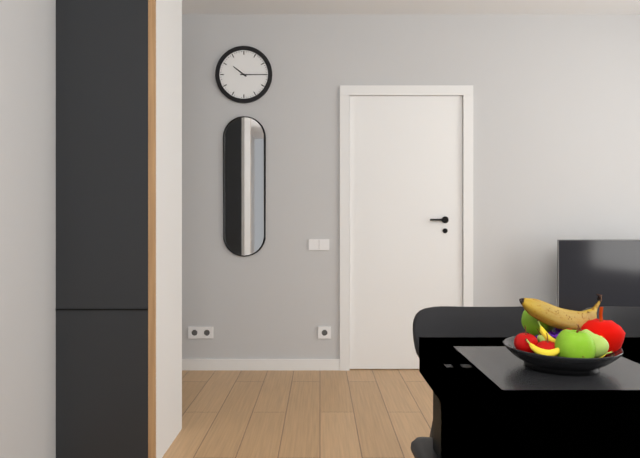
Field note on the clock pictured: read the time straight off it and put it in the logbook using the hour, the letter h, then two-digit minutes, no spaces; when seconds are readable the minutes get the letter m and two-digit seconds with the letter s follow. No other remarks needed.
10h15
